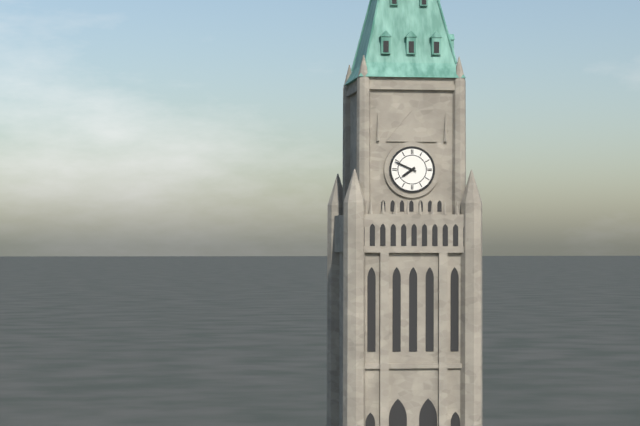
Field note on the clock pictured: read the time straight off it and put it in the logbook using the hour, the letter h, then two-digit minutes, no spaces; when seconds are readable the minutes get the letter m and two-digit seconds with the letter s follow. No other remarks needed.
7h49
